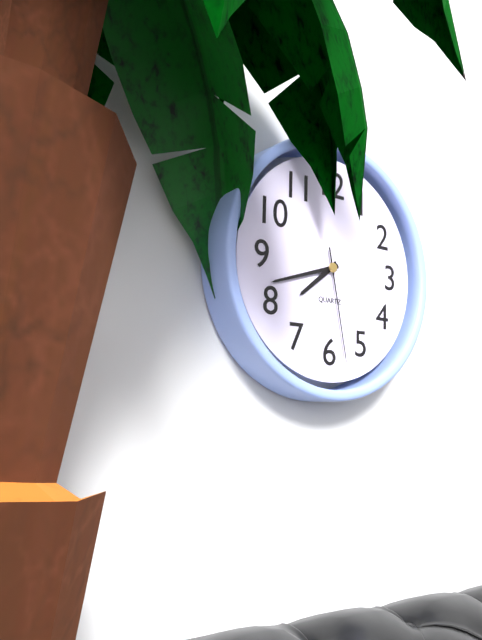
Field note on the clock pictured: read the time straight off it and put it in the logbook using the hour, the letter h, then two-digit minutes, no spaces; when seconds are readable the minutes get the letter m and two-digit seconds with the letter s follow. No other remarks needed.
7h42m28s
